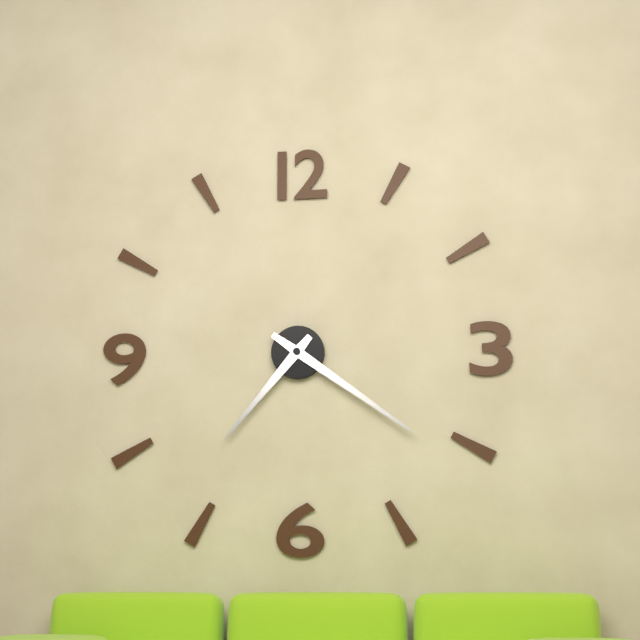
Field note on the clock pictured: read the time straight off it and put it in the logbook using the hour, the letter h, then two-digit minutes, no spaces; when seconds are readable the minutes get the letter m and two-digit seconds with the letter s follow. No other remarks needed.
7h21
